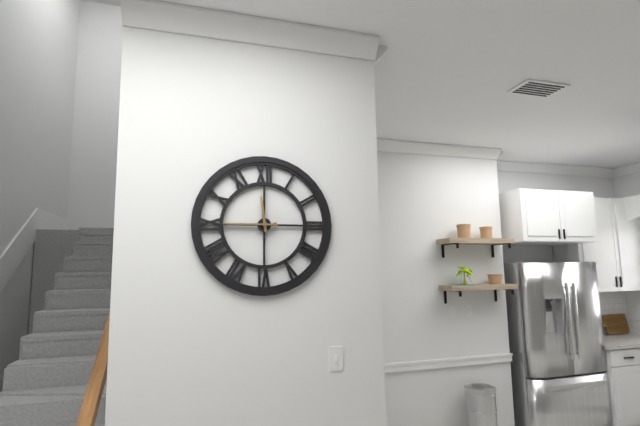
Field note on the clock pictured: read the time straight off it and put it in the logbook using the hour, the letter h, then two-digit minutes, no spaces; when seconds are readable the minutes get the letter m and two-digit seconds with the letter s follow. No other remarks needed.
11h45
